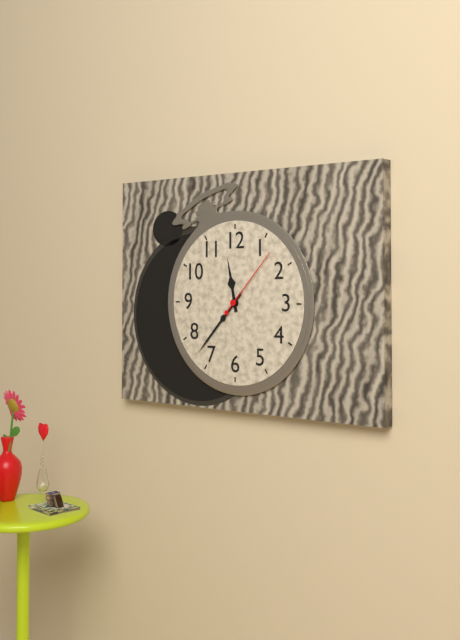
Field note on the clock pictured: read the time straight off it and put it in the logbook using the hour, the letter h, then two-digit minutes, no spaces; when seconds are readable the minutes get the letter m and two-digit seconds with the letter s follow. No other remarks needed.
11h37m07s
